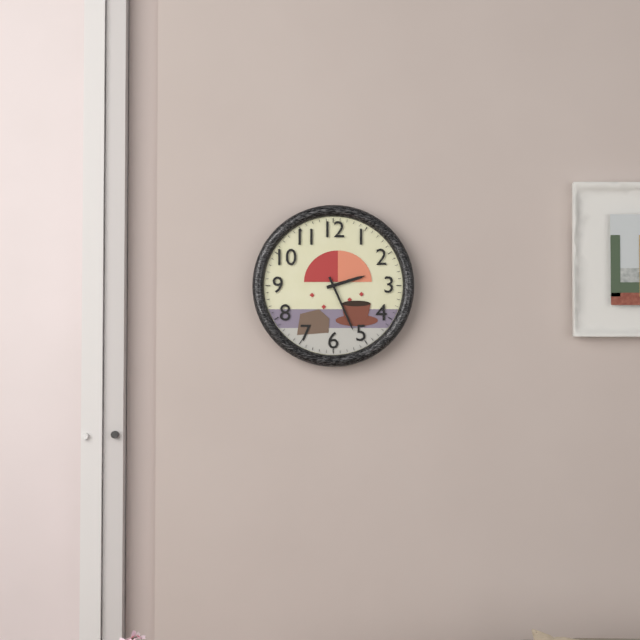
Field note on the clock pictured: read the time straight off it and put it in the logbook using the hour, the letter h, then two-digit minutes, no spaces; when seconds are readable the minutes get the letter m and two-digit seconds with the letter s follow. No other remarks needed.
2h26
